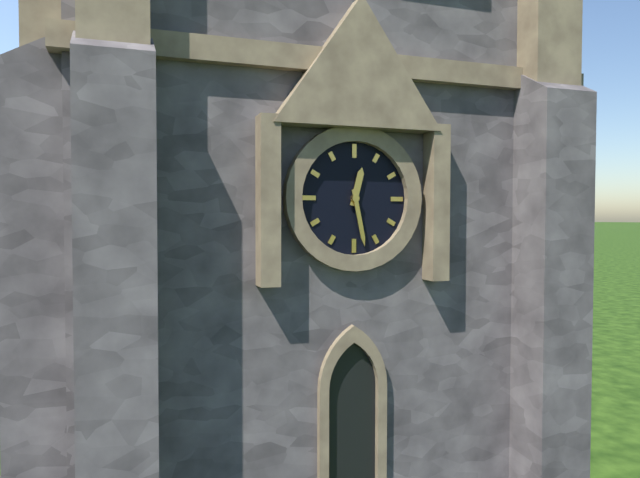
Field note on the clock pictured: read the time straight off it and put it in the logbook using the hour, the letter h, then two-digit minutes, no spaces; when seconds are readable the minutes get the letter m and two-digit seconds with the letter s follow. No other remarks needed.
12h28
